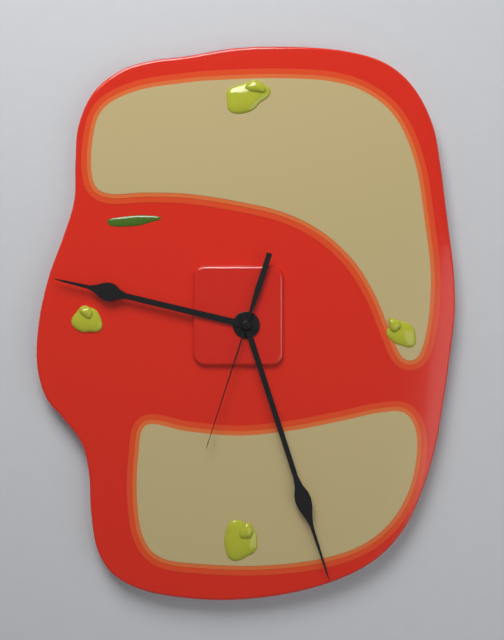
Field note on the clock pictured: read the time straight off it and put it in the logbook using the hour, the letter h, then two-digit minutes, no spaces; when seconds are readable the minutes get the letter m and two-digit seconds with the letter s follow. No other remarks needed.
9h27m33s
